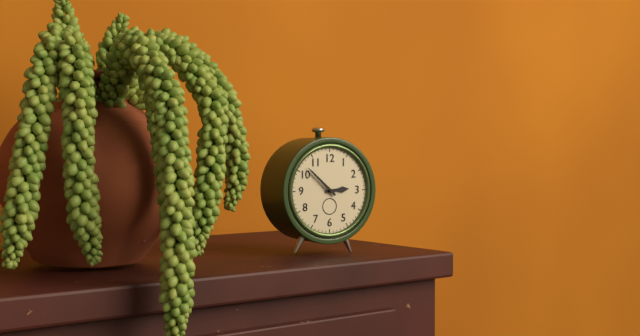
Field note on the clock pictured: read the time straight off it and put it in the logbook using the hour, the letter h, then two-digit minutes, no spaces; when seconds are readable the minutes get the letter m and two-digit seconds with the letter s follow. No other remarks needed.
2h52
